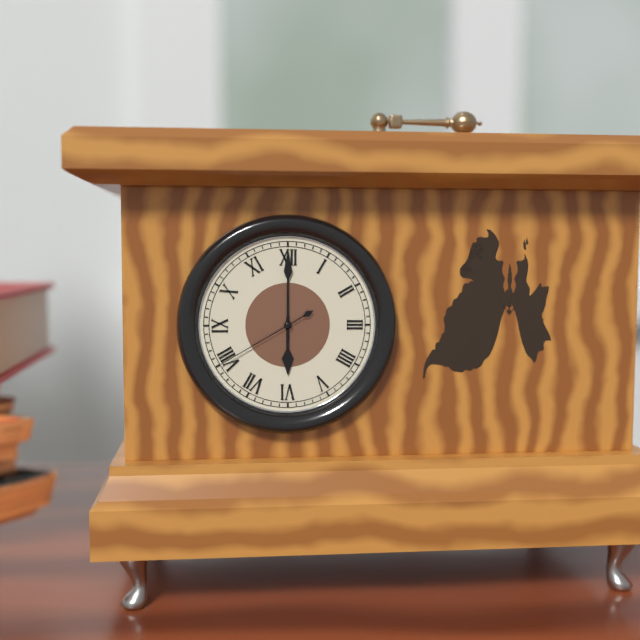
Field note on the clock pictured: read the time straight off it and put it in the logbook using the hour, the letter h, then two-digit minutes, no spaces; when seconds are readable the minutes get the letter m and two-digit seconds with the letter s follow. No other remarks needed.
6h00m40s
